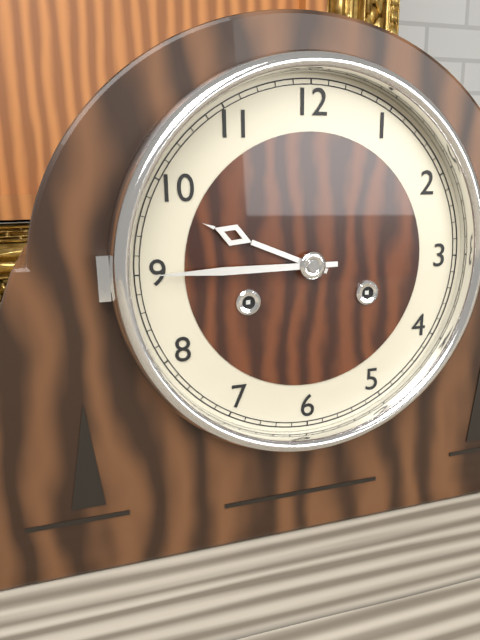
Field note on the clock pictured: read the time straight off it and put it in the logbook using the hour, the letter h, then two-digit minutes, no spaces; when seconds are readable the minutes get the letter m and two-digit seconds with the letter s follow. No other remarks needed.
9h45
